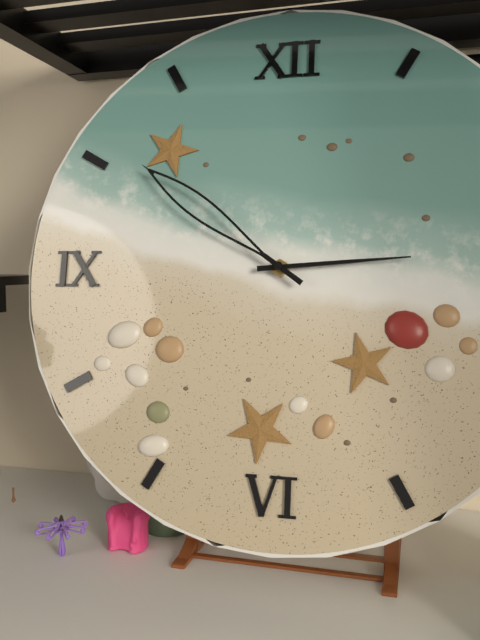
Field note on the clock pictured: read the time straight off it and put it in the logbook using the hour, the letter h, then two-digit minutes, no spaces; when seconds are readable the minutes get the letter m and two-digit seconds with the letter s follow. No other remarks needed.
2h51
